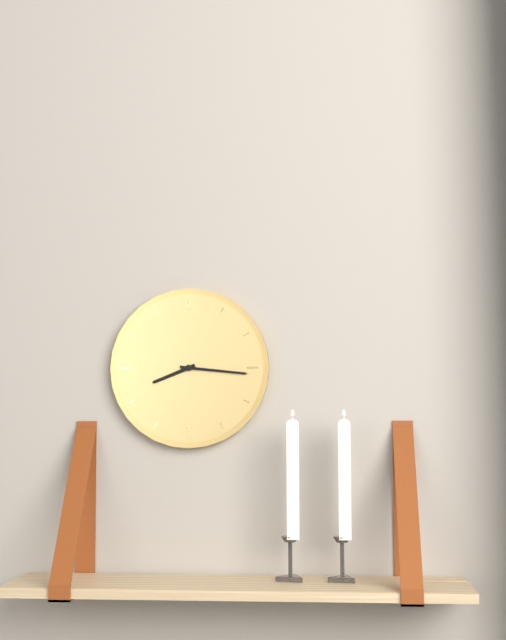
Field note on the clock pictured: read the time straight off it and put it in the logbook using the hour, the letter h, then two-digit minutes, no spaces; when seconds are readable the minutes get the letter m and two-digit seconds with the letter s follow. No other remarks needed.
8h16
